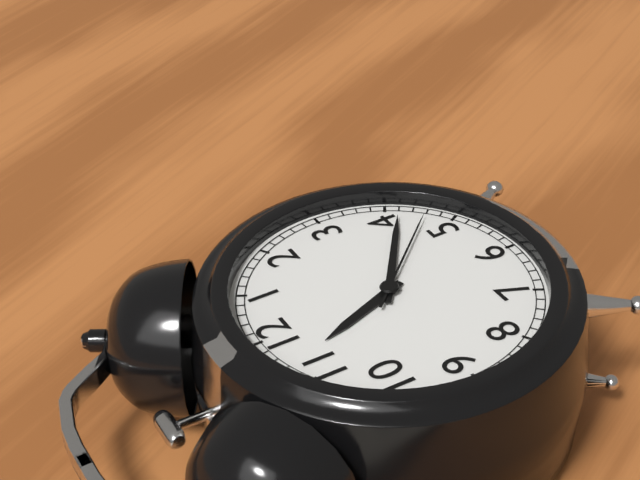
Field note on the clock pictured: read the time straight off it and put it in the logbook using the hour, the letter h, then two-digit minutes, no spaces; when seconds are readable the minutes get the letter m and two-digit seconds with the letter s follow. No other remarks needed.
11h21m23s
